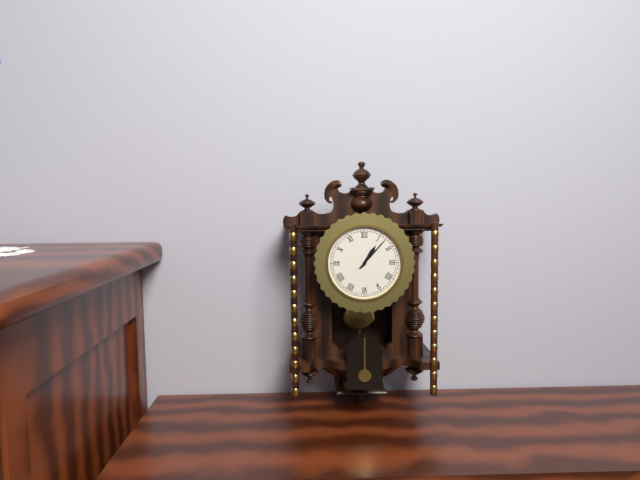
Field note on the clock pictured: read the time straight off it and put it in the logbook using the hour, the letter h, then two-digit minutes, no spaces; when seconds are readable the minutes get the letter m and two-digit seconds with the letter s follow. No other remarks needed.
1h07
